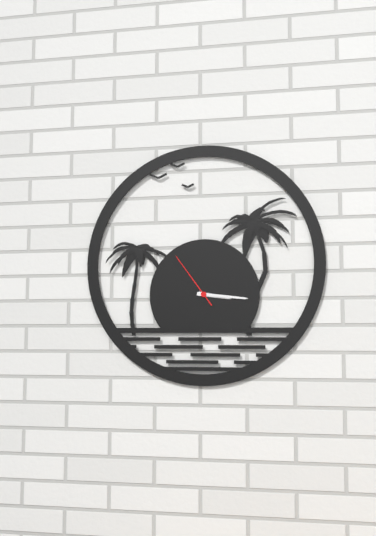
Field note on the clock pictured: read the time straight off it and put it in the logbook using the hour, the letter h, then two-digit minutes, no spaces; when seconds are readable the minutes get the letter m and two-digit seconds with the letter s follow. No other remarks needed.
3h16m54s
